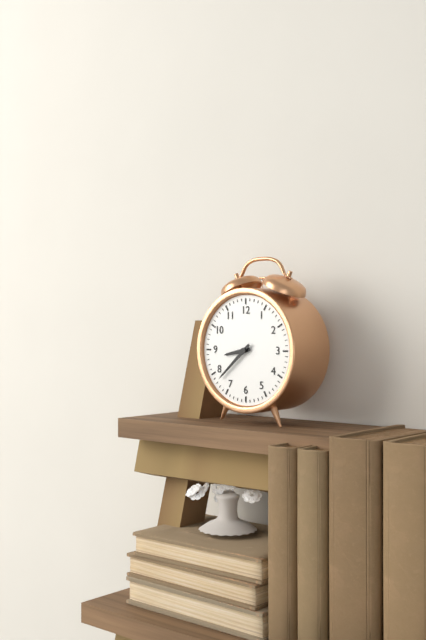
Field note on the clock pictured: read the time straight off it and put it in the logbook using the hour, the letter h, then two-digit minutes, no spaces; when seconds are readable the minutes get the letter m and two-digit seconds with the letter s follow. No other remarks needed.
8h38
